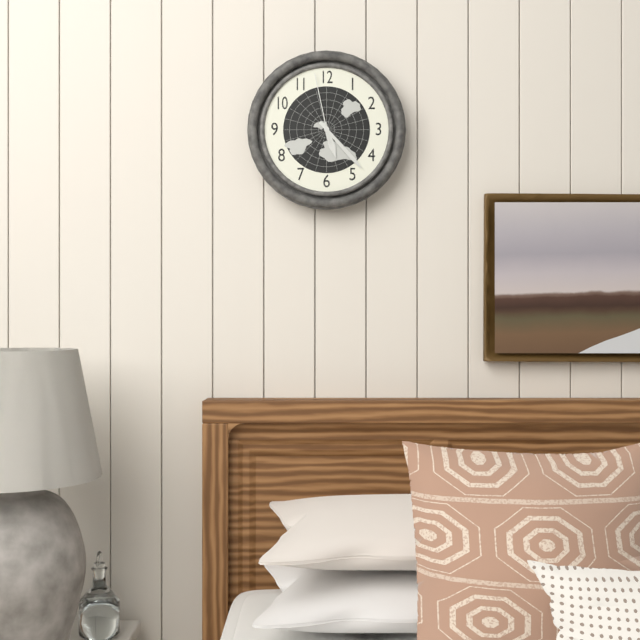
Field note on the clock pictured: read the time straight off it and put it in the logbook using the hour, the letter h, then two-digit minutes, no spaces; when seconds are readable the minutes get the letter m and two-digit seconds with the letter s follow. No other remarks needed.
5h23m58s
